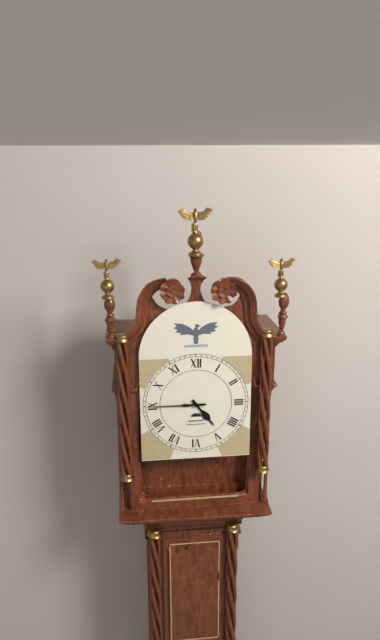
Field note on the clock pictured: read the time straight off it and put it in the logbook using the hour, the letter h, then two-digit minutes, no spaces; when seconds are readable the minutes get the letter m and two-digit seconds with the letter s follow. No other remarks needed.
4h45
